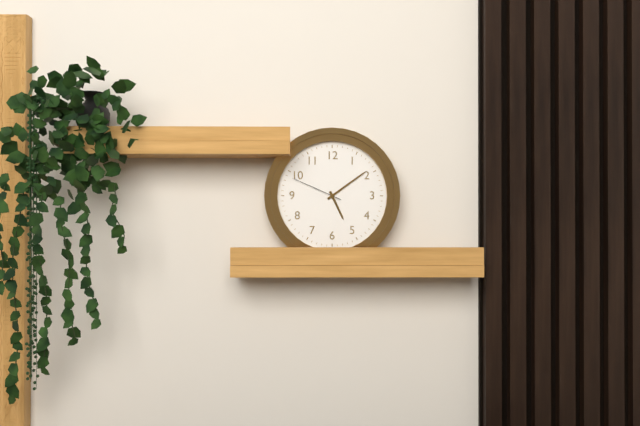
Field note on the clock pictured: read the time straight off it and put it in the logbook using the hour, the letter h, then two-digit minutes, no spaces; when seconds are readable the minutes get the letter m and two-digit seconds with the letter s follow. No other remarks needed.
5h09m49s
